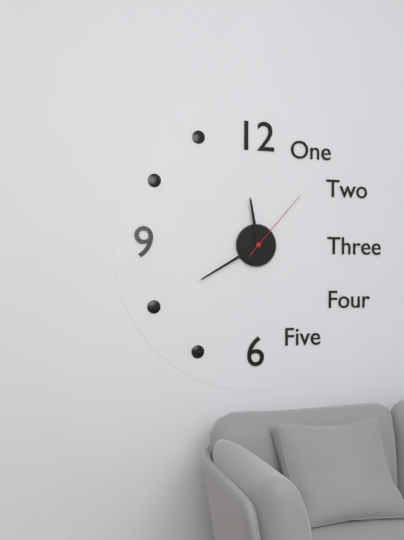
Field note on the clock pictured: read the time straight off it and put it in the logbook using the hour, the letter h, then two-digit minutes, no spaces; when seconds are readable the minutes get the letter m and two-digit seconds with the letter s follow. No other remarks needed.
11h40m07s
